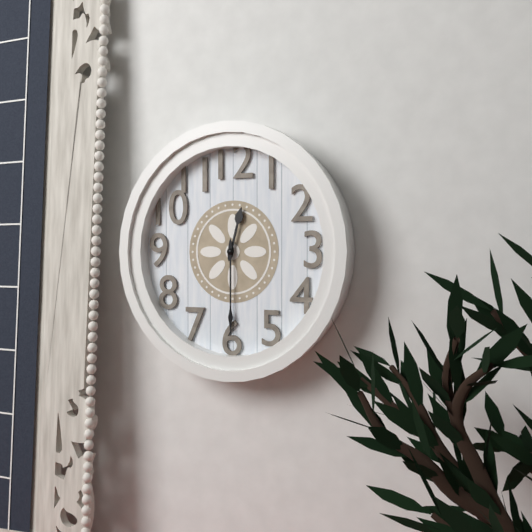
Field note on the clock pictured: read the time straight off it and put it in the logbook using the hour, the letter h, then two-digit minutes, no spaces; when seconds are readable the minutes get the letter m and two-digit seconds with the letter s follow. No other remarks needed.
12h30
